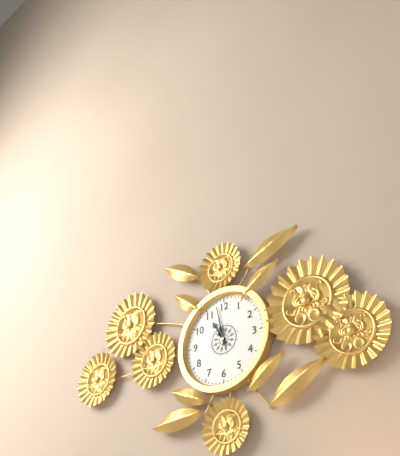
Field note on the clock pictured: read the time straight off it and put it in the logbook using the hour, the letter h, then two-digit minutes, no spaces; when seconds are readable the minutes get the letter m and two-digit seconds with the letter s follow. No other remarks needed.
10h58
